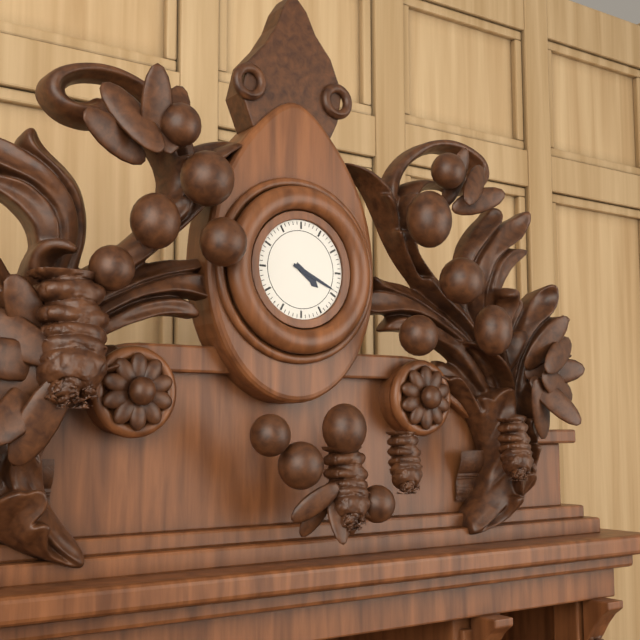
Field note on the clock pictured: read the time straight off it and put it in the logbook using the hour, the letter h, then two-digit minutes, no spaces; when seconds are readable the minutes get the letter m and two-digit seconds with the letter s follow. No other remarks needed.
4h19
